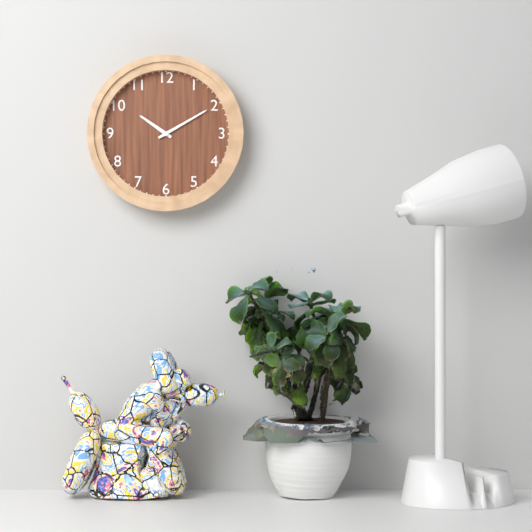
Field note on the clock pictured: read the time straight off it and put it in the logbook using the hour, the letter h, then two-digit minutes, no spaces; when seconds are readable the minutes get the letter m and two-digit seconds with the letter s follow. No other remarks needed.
10h10
